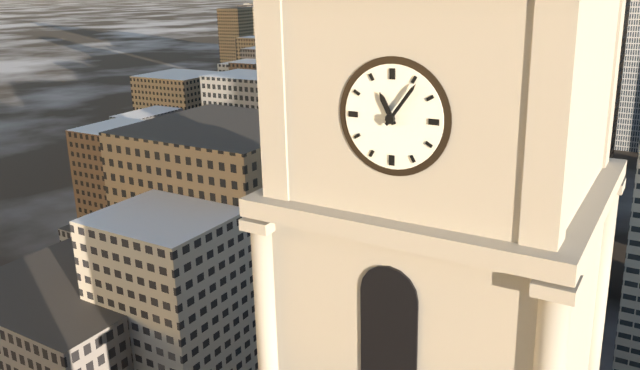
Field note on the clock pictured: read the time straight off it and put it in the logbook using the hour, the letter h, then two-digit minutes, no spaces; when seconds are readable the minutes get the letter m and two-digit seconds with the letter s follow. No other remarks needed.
11h06
